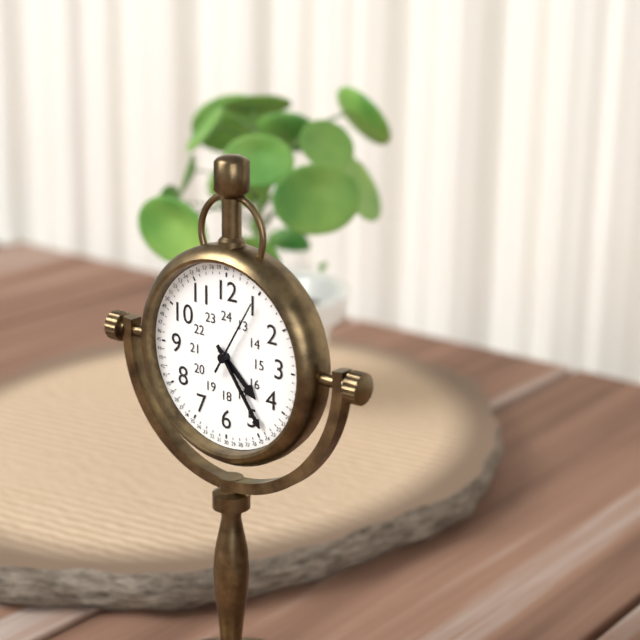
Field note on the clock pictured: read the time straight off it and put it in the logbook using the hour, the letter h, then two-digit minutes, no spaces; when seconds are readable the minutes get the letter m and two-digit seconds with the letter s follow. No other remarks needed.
4h24m05s
